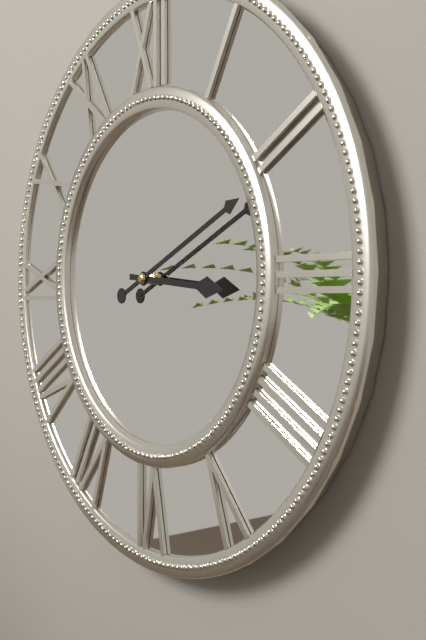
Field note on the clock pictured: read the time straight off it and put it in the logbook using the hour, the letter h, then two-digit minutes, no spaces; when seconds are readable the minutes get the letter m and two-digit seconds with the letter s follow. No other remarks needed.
3h11
